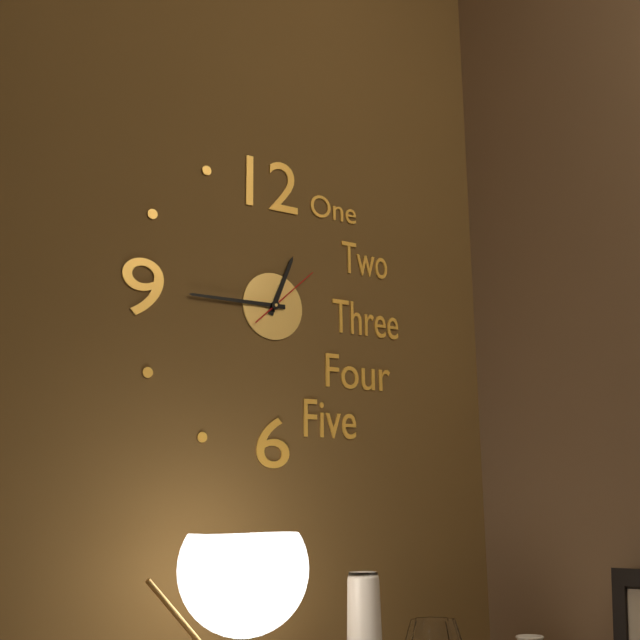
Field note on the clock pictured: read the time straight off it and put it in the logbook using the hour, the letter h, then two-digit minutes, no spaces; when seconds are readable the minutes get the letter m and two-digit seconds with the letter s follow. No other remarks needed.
12h45m08s
